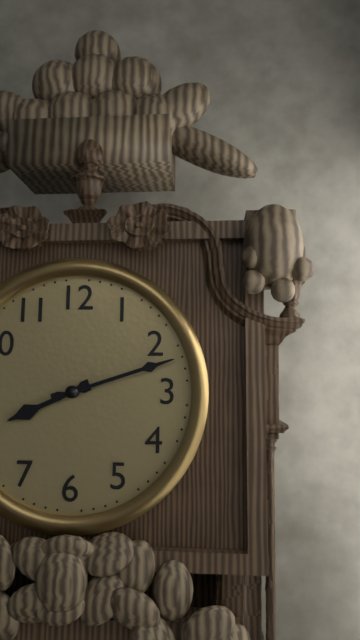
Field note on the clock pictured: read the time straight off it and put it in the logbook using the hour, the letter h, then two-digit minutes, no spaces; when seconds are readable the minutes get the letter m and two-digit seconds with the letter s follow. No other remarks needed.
8h12
